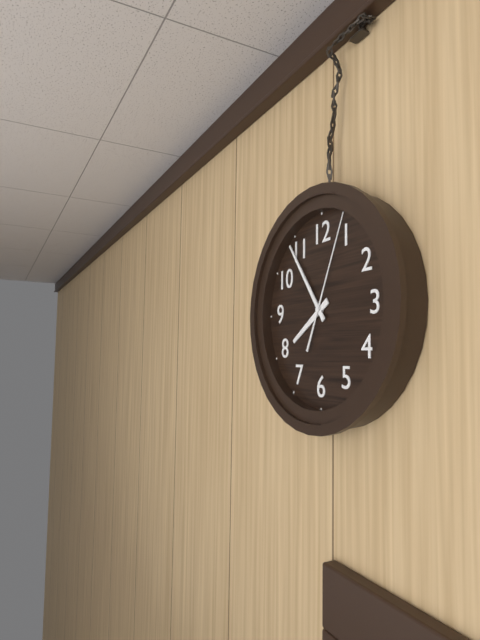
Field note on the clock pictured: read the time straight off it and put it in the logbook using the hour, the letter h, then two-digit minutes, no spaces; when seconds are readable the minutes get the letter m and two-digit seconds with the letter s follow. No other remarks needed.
7h54m04s
